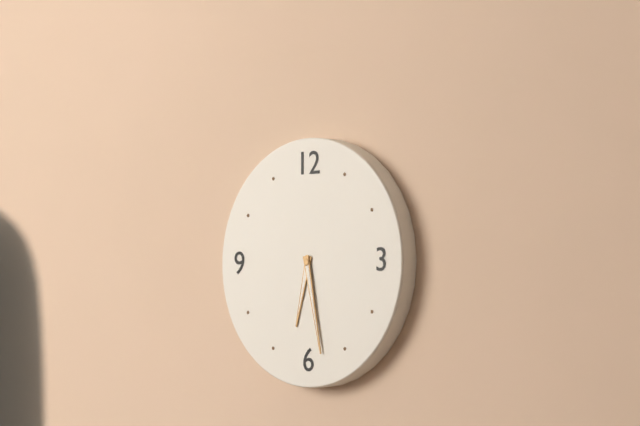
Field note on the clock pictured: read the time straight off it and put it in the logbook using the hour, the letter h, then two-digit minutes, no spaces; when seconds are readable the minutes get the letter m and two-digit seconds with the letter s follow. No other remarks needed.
6h28
